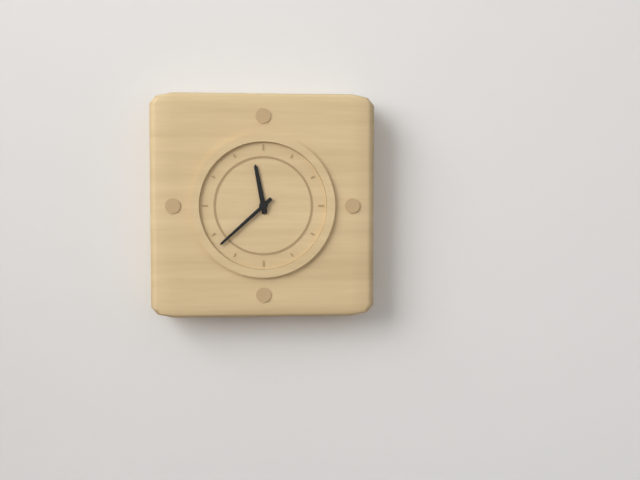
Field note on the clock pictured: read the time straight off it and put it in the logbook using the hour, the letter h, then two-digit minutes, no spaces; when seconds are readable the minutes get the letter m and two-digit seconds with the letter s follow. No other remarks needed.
11h38
